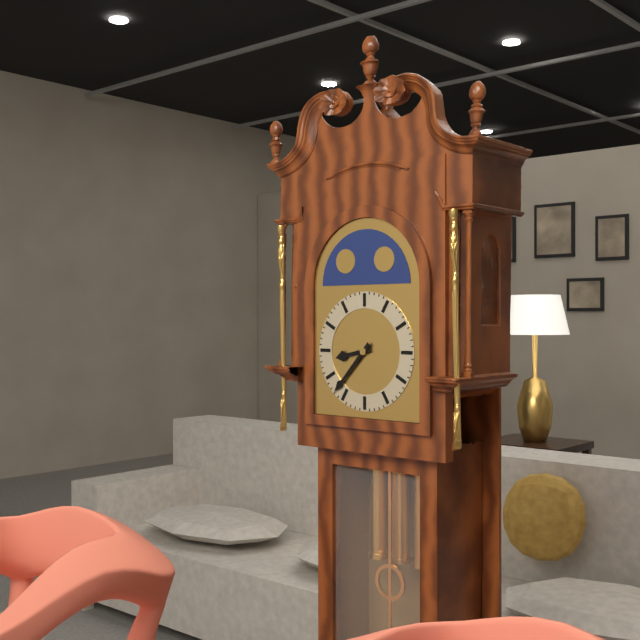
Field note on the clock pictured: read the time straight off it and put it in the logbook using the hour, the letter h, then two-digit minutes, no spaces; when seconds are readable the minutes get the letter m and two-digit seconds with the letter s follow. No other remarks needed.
8h37
